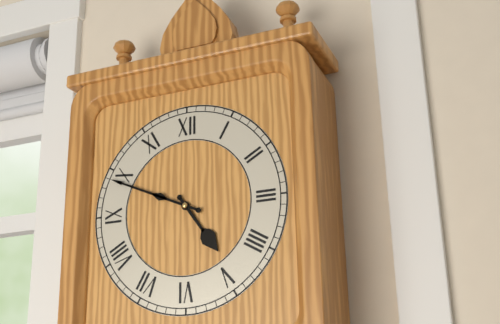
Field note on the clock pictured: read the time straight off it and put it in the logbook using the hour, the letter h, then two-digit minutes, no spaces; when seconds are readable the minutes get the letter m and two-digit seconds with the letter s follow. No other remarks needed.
4h49
